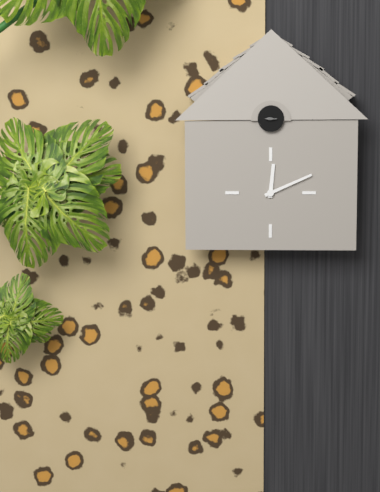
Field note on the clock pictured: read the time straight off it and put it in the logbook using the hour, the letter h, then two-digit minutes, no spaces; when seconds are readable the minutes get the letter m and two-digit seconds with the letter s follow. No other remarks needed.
12h11
